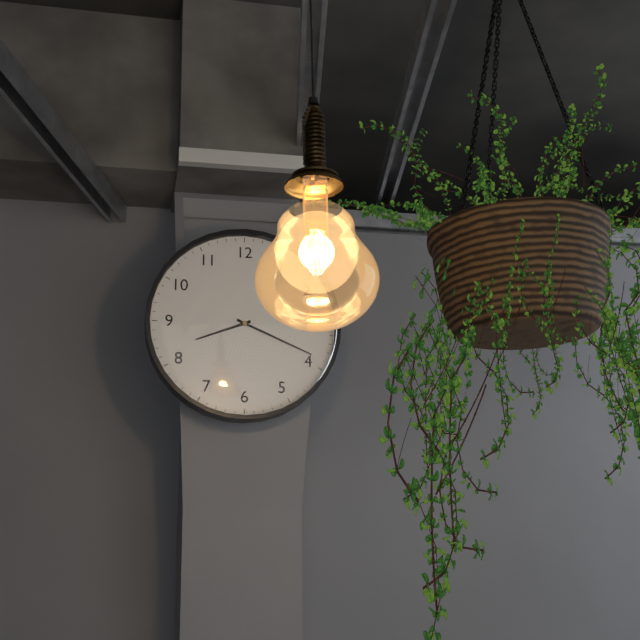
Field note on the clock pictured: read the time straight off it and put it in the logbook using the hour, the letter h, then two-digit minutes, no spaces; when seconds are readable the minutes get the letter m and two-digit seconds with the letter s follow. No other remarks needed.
8h19
